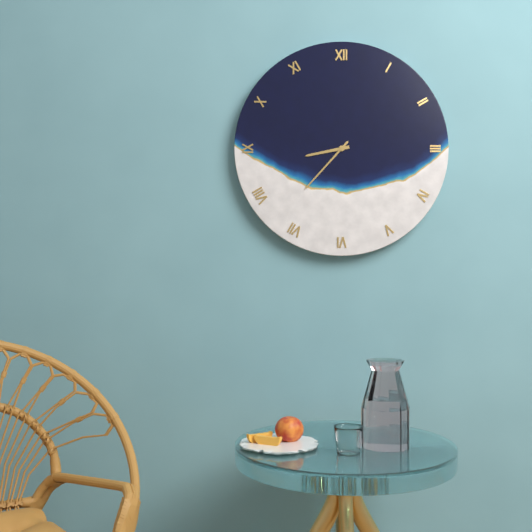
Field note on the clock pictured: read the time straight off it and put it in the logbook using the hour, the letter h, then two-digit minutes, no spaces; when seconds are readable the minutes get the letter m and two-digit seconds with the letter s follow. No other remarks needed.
8h37
